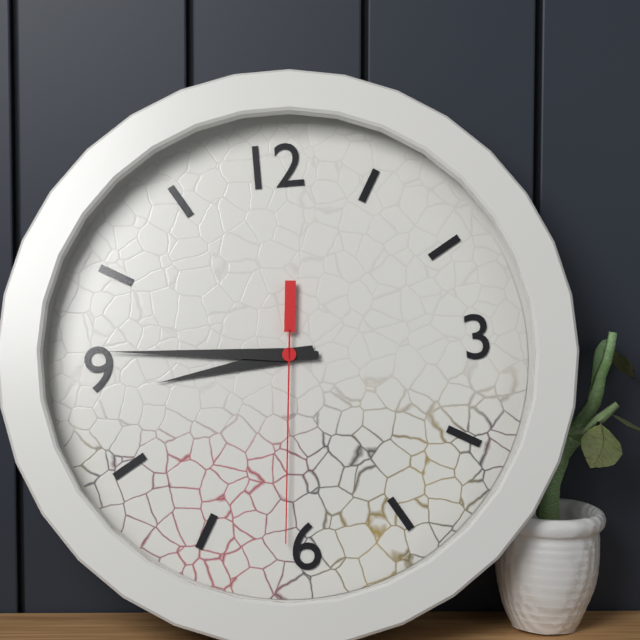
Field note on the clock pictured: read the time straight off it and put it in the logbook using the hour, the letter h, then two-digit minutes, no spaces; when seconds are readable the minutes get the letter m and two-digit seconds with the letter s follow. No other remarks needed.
8h46m31s
